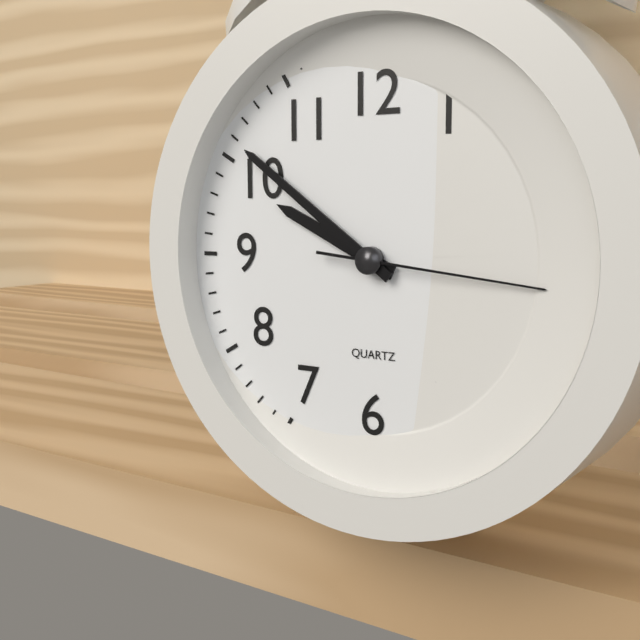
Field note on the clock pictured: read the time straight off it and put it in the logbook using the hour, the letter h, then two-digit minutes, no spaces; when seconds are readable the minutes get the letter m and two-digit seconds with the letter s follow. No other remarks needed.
9h51m16s
